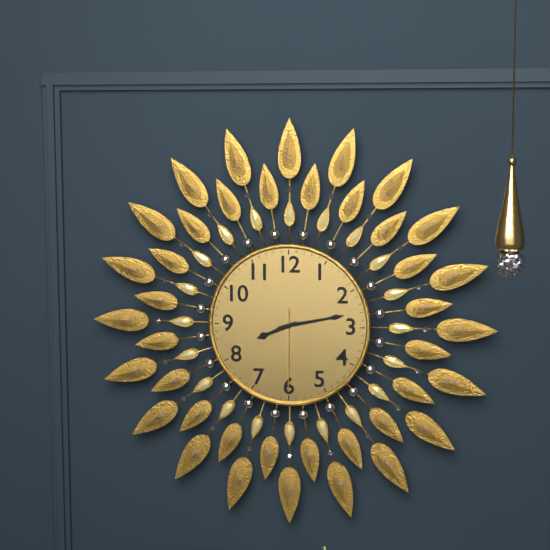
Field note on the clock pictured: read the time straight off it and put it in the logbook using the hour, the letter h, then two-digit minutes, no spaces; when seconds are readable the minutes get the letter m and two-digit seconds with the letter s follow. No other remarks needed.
8h13m30s
